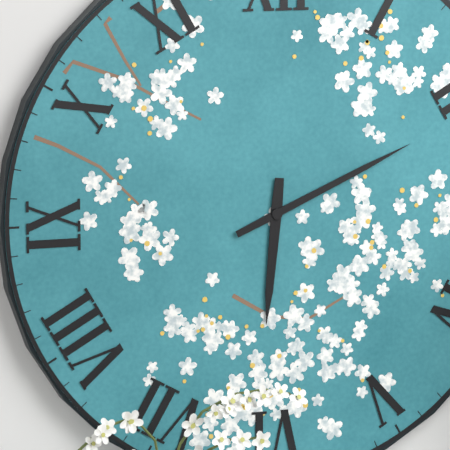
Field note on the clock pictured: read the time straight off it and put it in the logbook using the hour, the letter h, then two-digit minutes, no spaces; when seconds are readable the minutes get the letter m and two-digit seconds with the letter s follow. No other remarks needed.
6h11
